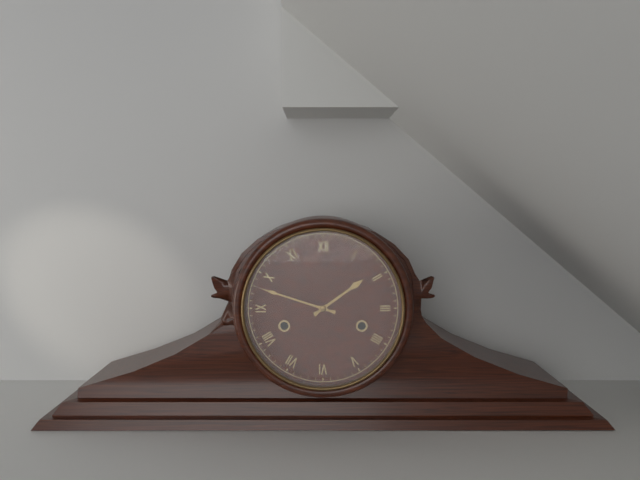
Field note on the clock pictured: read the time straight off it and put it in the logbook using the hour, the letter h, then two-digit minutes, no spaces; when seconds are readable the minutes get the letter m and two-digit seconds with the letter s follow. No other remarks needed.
1h48
